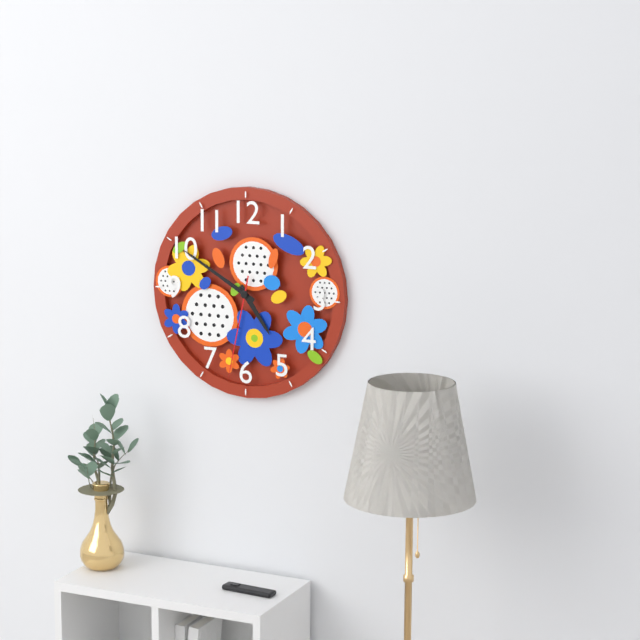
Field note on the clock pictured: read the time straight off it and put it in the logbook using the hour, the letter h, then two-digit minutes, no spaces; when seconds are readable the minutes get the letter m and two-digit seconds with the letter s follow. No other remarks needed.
4h50m32s
